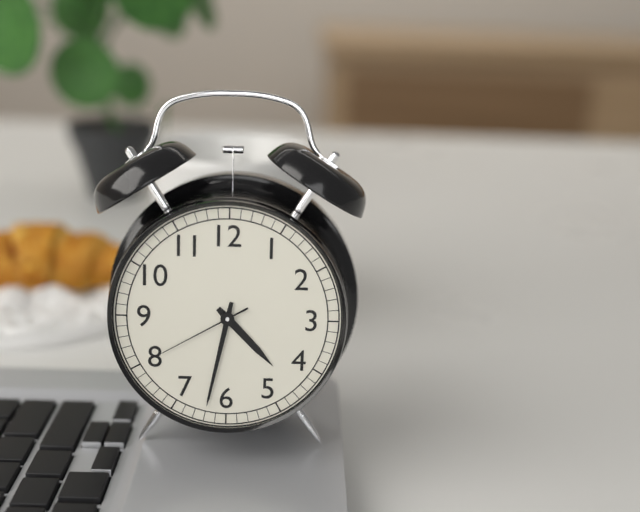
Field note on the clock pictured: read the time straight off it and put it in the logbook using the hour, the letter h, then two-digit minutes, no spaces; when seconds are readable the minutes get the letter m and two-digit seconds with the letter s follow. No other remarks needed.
4h32m40s
